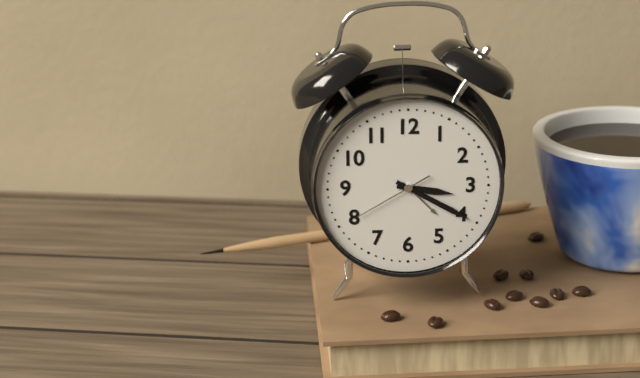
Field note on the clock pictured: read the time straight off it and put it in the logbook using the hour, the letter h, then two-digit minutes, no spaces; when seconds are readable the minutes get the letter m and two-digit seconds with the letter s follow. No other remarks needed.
3h20m40s
